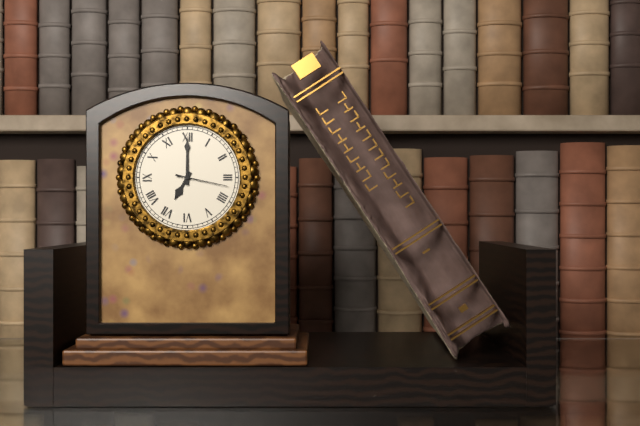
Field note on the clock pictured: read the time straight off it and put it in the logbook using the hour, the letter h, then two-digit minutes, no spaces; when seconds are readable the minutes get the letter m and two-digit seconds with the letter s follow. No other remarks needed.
7h00m17s
